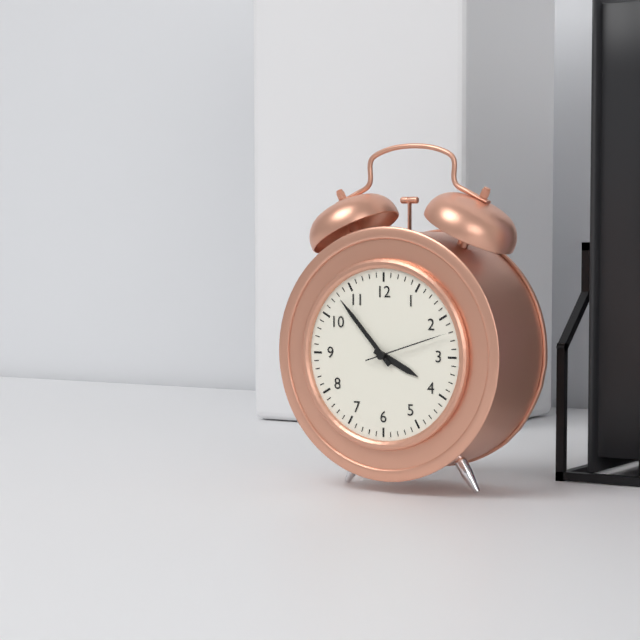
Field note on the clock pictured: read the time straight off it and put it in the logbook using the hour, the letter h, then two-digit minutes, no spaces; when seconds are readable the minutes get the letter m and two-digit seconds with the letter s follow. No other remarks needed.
3h53m12s
